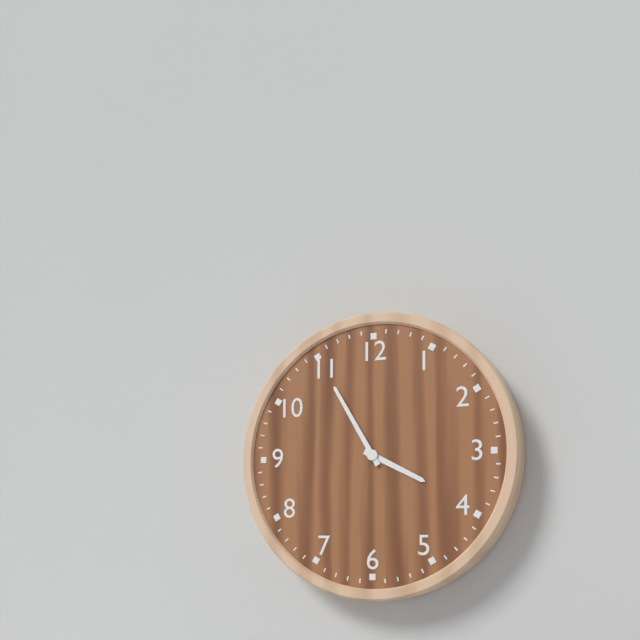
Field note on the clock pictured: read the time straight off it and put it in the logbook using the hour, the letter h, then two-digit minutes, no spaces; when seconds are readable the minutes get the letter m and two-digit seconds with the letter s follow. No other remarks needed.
3h55
